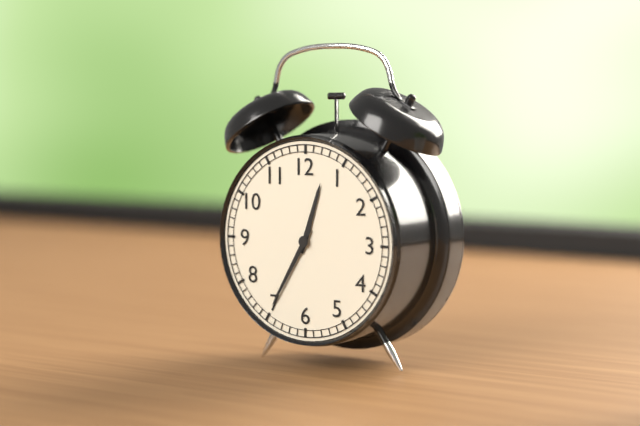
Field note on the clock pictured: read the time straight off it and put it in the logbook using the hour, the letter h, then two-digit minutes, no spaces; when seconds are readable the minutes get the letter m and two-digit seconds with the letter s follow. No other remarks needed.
12h35
